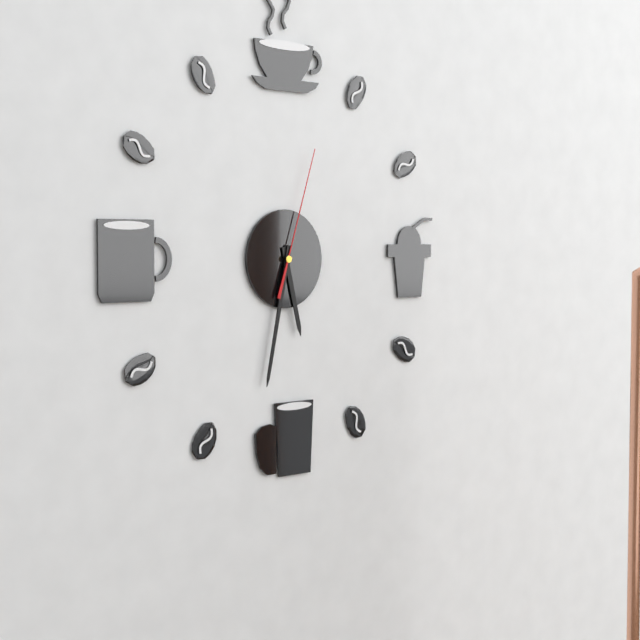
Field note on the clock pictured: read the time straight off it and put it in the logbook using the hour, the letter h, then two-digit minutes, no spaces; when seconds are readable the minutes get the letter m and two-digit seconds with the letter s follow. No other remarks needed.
5h32m03s
